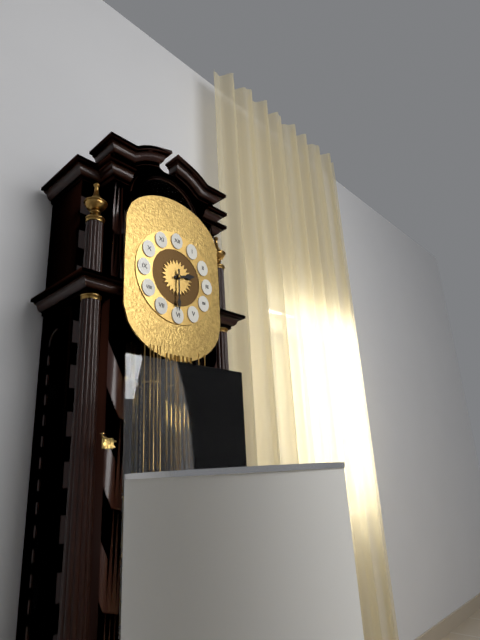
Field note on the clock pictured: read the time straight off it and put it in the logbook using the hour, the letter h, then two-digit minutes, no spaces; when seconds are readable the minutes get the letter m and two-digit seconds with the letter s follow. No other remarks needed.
2h30
